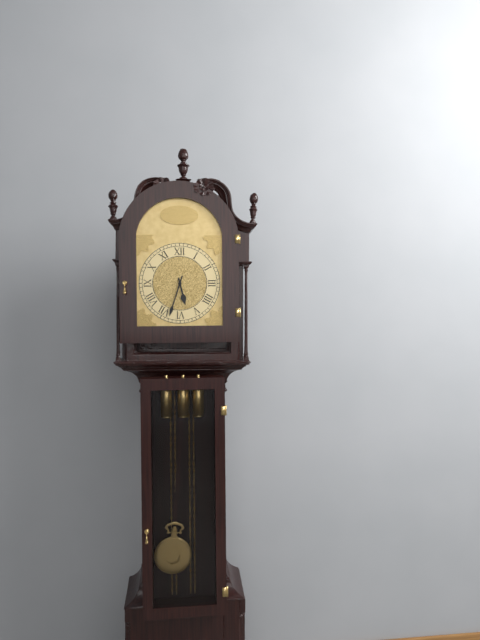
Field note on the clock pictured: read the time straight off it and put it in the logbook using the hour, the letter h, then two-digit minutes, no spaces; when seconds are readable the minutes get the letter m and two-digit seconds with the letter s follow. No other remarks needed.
5h33
